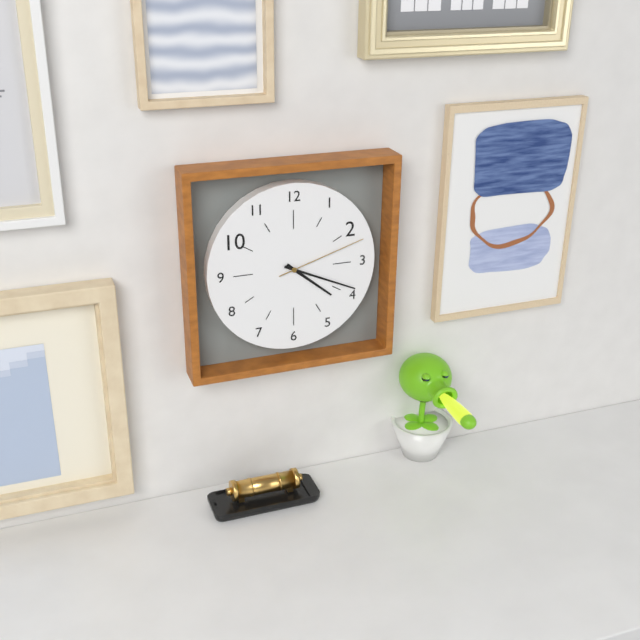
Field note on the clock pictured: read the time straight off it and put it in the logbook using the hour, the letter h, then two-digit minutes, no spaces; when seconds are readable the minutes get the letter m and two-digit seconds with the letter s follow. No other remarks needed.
4h19m12s
